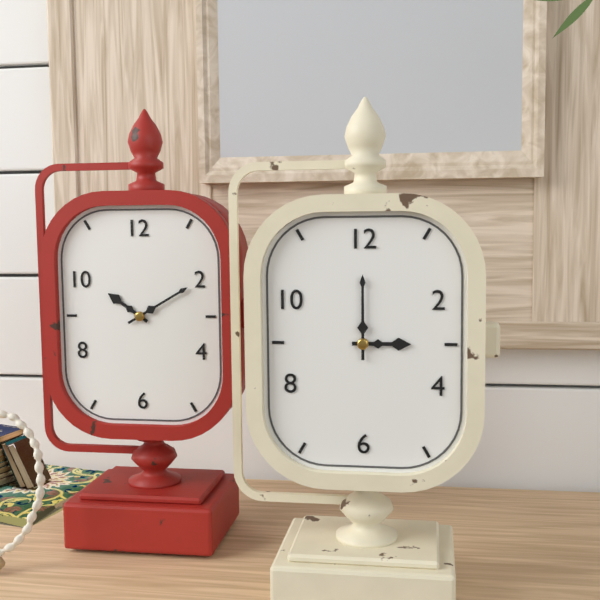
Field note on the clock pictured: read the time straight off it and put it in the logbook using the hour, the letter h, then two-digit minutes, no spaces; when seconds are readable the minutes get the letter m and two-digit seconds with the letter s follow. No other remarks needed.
3h00
